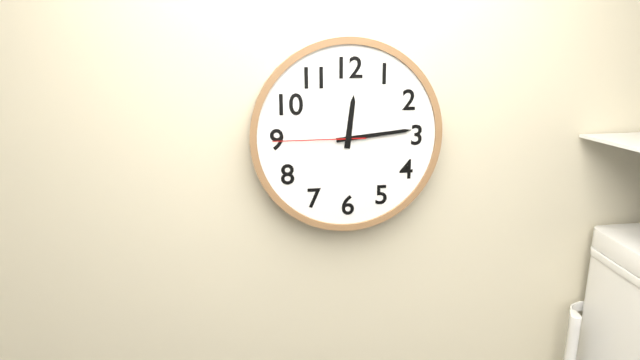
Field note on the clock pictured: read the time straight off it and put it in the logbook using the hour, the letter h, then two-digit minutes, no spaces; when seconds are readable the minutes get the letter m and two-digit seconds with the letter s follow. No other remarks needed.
12h14m45s
